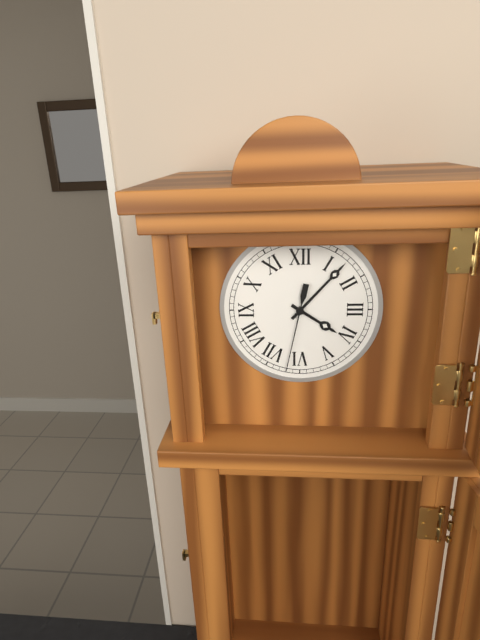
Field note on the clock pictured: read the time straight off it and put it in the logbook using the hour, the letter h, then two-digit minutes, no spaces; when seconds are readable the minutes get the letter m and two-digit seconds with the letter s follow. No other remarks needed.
4h07m32s
